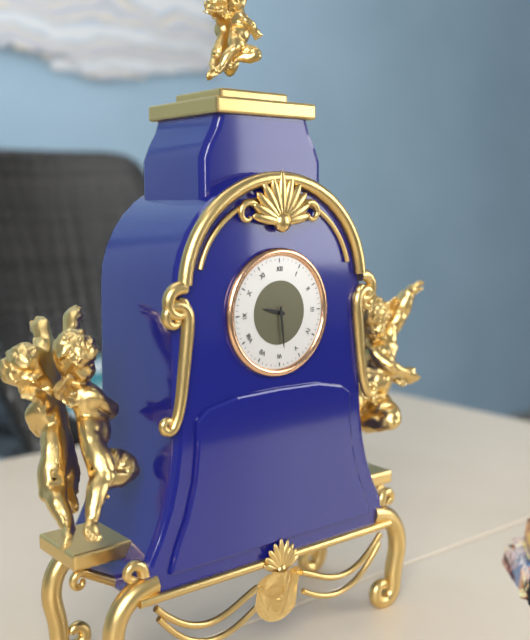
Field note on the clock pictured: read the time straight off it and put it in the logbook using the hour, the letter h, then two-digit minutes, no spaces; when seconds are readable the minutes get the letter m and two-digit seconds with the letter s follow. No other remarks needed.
9h29
